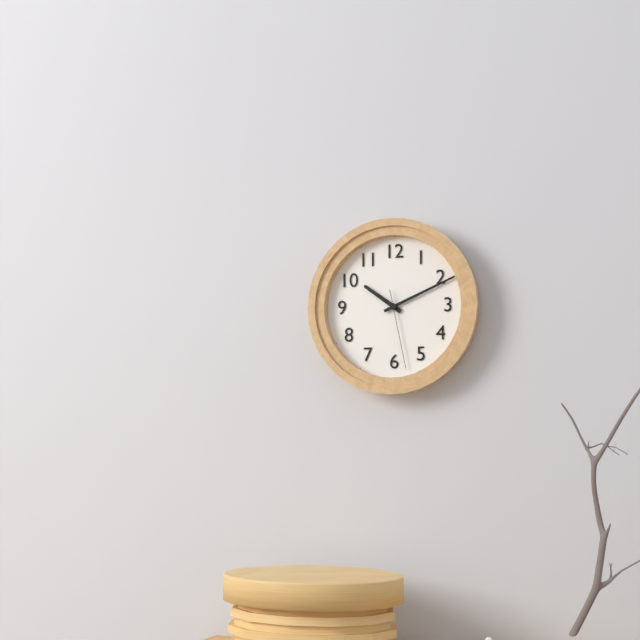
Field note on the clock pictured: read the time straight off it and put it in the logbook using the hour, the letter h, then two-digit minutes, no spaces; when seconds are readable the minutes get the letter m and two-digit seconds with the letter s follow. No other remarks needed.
10h11m28s
